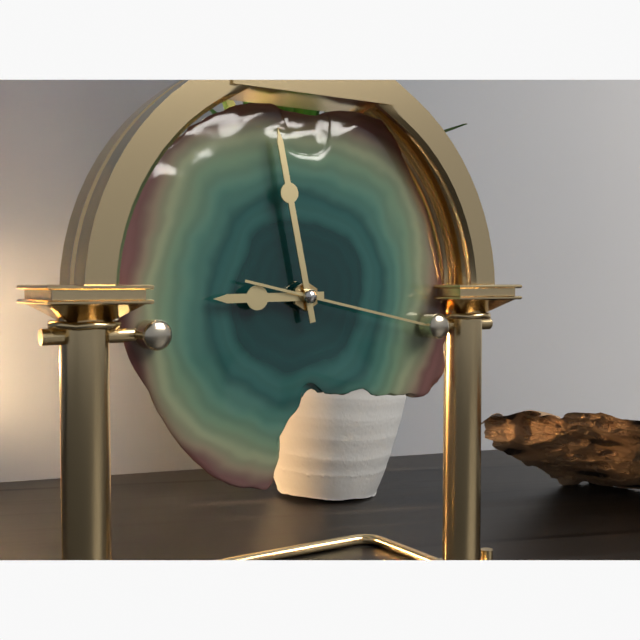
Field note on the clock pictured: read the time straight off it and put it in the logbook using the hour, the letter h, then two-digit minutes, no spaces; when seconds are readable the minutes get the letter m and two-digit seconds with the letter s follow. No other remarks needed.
8h58m17s
